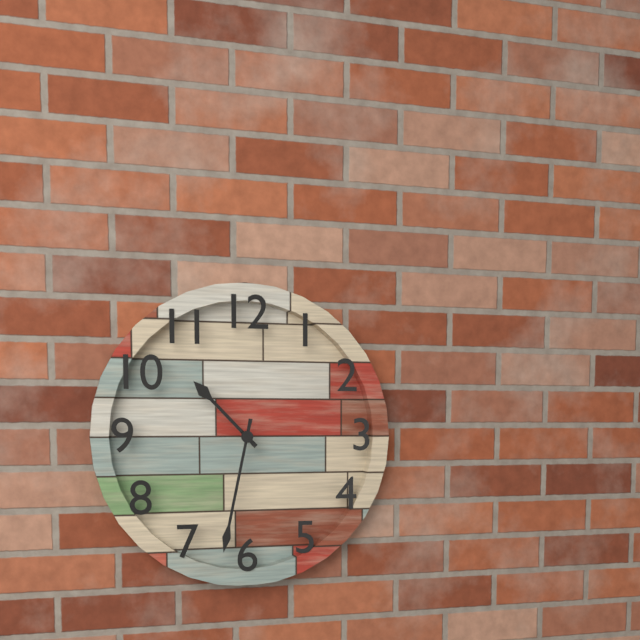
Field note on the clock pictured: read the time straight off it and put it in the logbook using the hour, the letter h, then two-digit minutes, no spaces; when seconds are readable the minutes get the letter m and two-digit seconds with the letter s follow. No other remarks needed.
10h32
